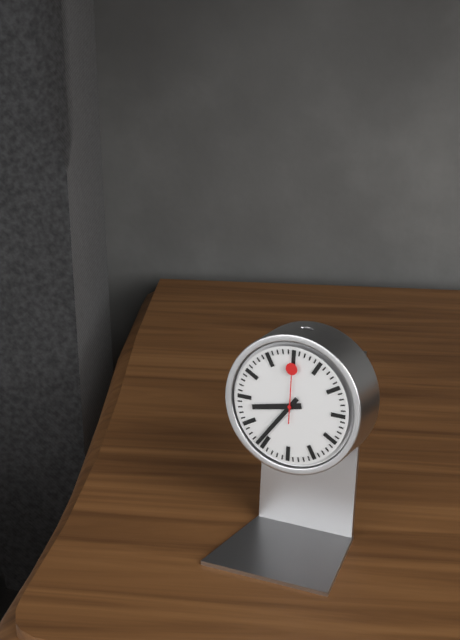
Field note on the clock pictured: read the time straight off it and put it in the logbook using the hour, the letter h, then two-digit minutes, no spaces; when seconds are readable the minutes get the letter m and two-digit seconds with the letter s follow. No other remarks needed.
8h36m00s
